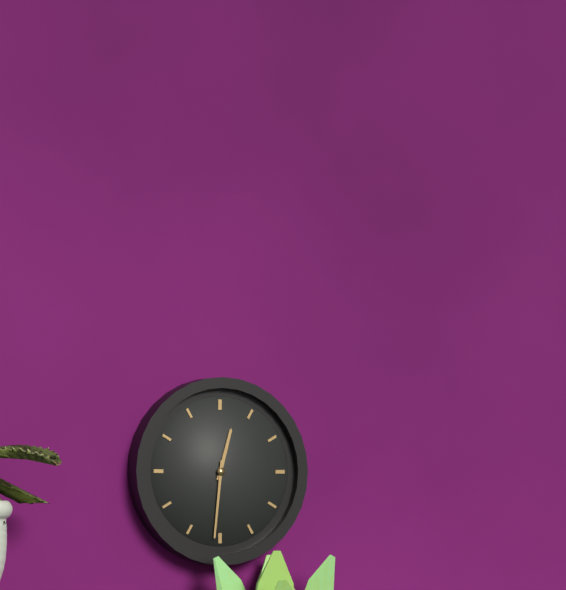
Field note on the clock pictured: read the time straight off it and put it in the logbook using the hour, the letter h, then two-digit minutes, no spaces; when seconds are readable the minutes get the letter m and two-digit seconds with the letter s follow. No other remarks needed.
12h31
